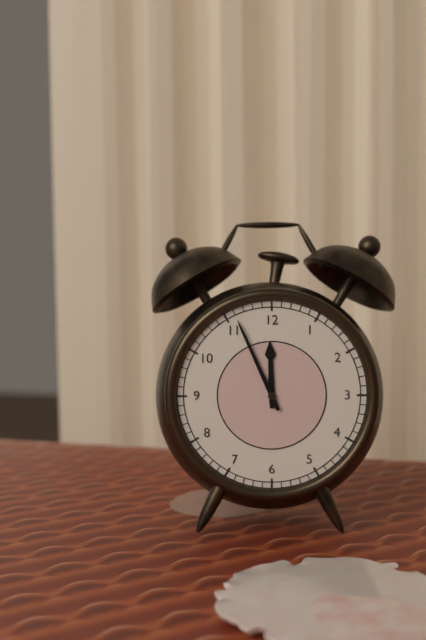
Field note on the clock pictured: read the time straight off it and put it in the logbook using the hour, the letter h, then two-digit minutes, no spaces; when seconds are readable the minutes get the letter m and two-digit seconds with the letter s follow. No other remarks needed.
11h56
